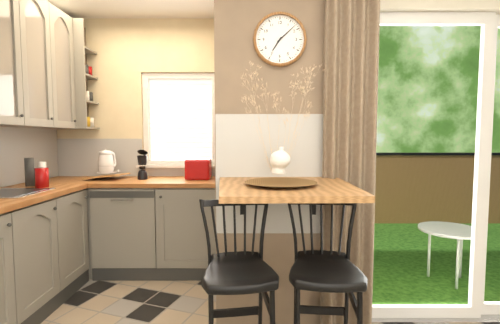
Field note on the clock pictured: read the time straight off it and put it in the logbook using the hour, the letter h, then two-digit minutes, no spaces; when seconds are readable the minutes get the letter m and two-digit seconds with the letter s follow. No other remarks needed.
7h08
